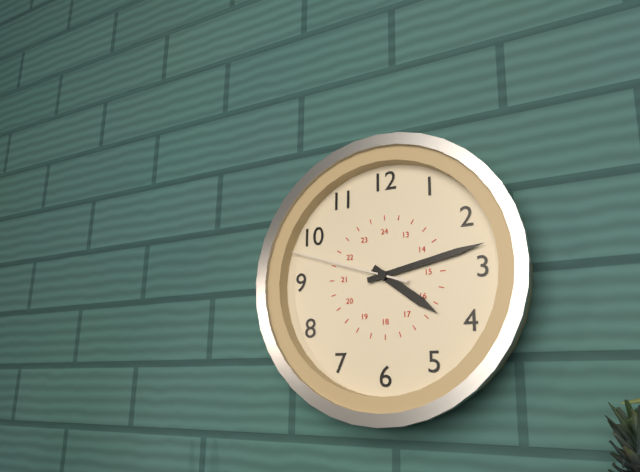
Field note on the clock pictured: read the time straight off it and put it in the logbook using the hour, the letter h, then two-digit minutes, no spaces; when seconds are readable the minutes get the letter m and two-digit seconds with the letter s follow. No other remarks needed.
4h13m48s
